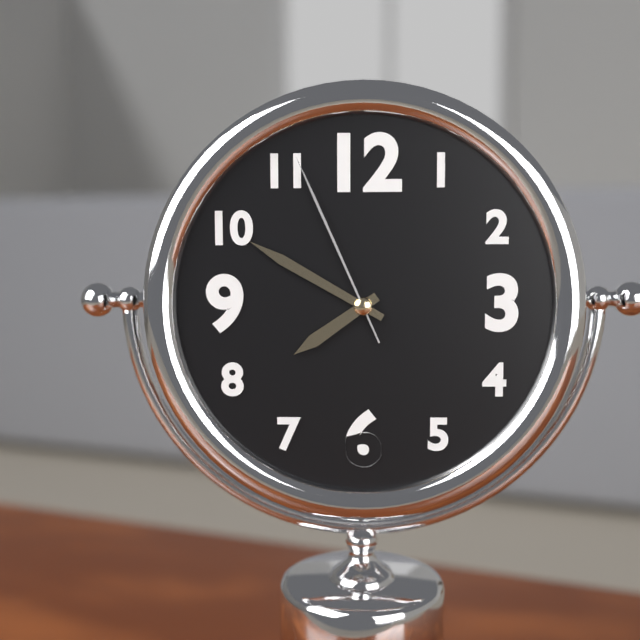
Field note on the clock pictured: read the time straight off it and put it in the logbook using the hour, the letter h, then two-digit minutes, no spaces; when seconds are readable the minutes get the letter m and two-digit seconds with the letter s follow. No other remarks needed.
7h50m56s
